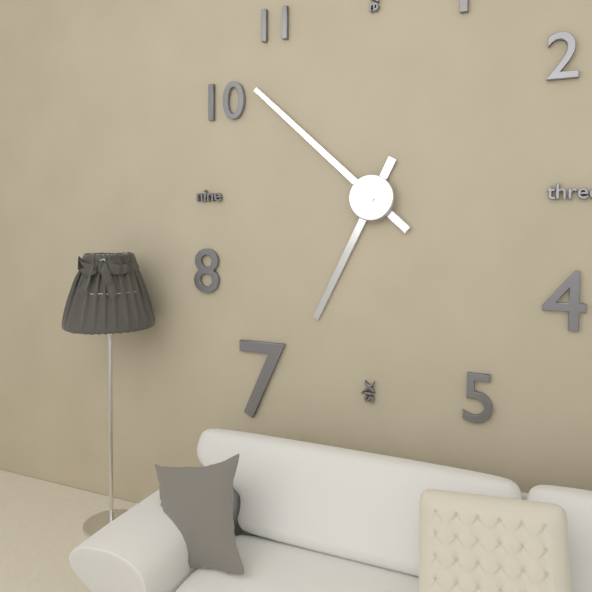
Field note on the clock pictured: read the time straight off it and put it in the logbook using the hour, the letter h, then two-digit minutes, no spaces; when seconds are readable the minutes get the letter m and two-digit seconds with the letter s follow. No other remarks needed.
6h52
